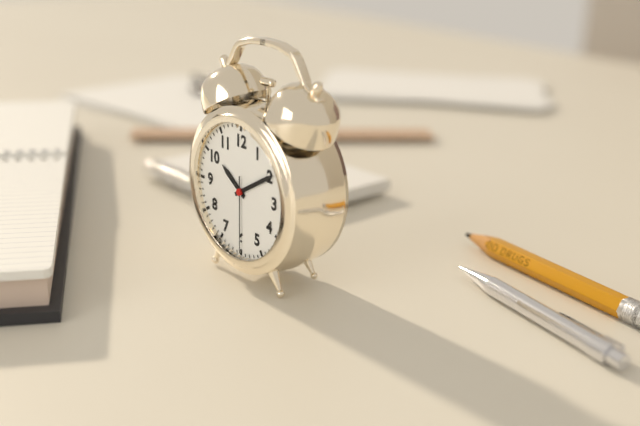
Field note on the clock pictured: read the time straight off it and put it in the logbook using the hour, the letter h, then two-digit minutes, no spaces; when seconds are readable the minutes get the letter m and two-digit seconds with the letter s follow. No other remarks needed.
10h10m30s
